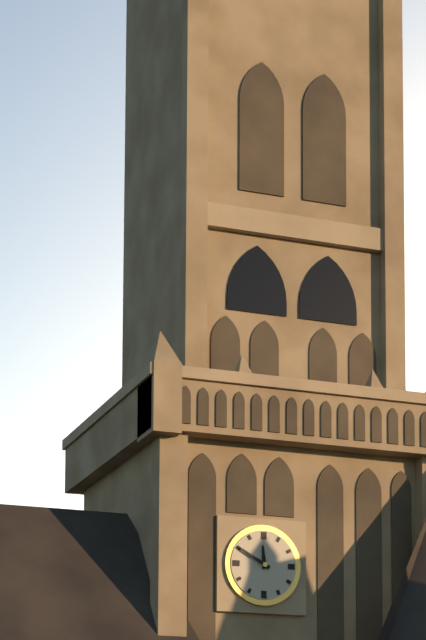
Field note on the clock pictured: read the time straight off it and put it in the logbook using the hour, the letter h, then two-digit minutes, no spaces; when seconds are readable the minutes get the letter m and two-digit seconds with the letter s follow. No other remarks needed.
11h50
